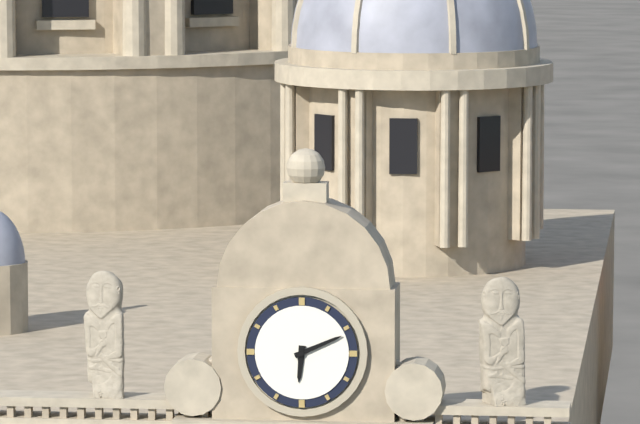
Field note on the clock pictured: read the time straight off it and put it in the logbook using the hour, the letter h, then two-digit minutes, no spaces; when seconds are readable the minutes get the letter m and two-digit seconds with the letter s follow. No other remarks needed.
6h11
